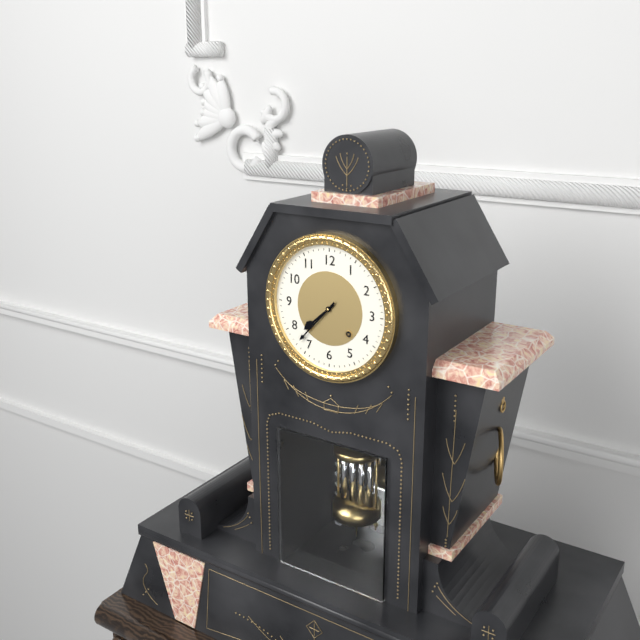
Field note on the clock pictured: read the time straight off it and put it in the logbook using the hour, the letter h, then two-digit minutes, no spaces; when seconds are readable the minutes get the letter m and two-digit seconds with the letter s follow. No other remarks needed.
7h37
